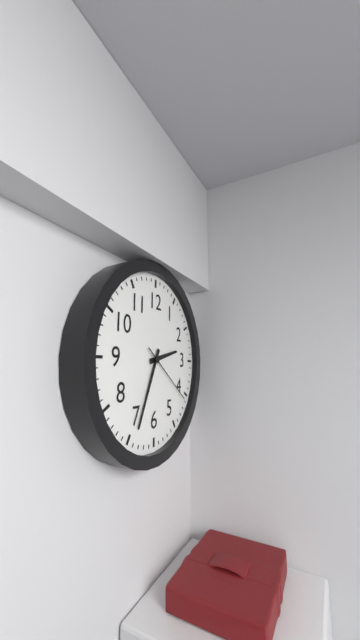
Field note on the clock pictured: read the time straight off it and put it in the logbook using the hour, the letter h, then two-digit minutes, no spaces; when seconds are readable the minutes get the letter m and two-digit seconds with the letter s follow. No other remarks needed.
2h34m21s
